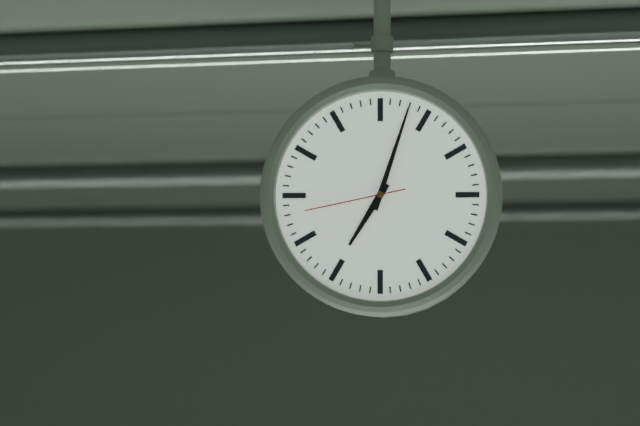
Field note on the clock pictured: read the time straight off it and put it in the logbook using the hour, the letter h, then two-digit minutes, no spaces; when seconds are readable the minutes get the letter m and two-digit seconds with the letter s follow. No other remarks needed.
7h03m43s
